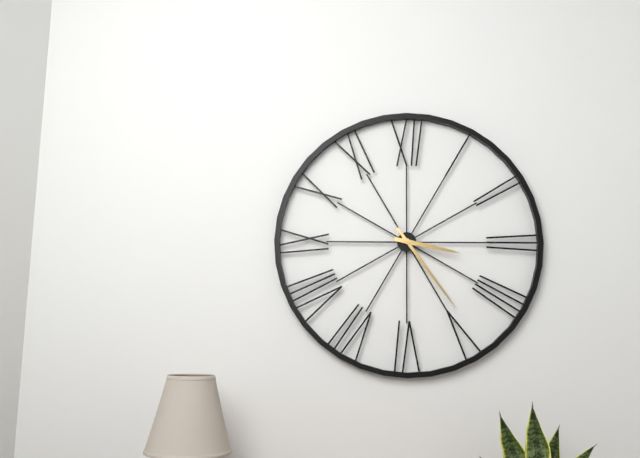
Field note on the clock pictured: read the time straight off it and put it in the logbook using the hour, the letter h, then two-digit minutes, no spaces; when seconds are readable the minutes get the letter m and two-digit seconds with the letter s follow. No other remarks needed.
3h24
